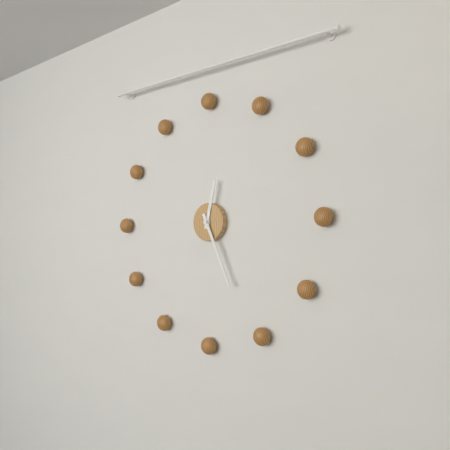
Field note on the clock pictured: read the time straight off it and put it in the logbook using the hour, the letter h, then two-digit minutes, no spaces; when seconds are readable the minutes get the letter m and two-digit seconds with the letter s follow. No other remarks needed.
12h26
